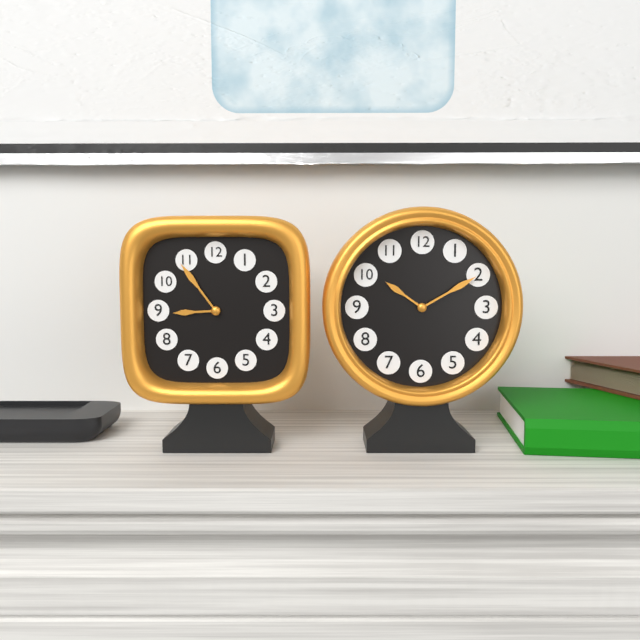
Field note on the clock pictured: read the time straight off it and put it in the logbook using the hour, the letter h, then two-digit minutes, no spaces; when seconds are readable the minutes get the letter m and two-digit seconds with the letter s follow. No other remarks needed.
8h54
